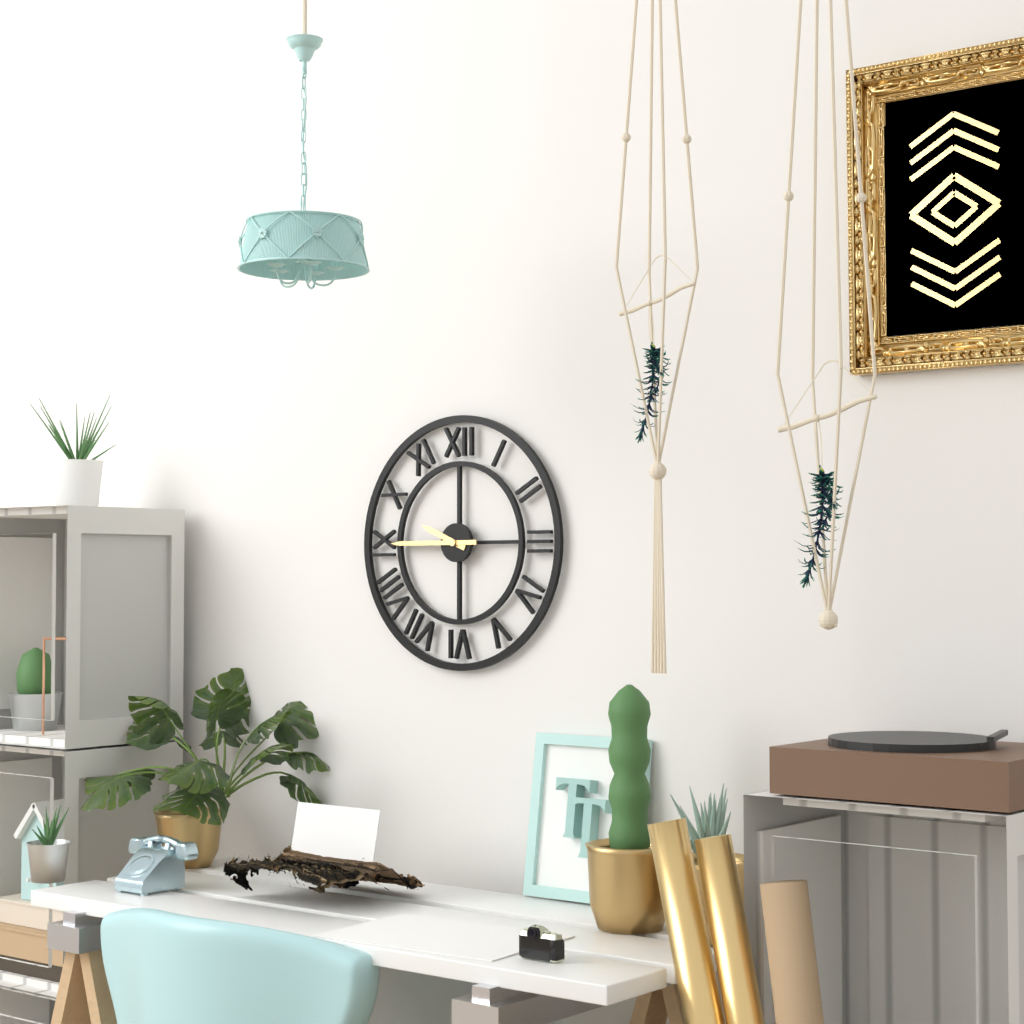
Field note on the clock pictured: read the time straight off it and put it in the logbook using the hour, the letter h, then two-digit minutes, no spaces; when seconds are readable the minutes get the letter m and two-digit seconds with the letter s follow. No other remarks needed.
9h45
